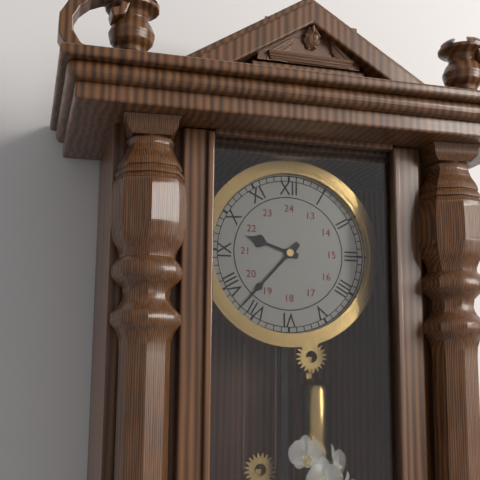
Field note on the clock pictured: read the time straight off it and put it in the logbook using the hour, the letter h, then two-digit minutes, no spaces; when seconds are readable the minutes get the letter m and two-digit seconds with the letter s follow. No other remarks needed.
9h37
